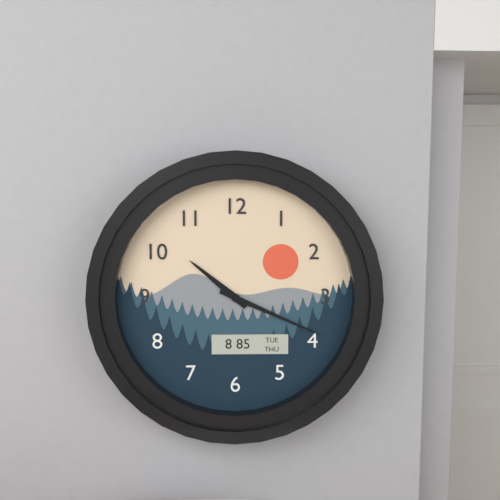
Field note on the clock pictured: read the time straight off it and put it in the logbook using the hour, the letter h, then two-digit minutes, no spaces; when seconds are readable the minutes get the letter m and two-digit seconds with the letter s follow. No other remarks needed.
10h19
